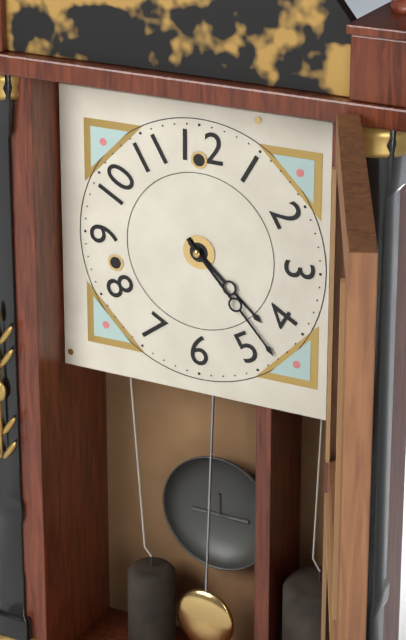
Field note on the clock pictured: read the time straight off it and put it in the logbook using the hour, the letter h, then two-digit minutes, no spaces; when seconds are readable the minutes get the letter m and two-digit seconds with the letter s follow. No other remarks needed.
4h23
